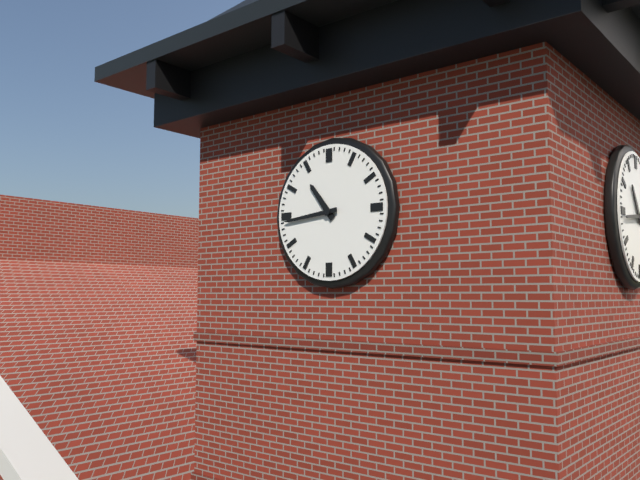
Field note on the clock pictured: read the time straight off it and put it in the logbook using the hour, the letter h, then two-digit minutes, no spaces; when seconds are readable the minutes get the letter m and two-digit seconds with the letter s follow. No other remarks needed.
10h44
